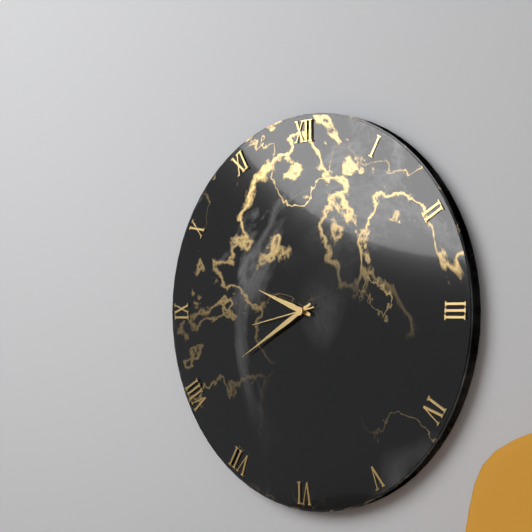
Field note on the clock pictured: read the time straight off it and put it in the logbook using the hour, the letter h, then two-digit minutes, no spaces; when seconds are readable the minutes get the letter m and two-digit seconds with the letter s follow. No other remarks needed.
9h40m43s
